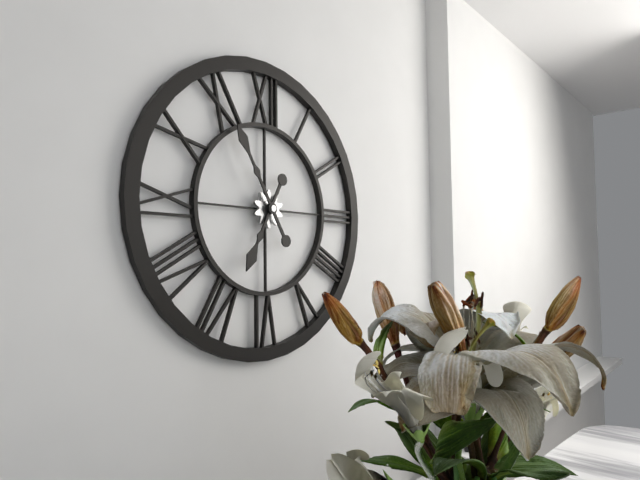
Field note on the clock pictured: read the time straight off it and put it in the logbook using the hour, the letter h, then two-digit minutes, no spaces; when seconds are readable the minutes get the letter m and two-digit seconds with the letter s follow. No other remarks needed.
6h55
